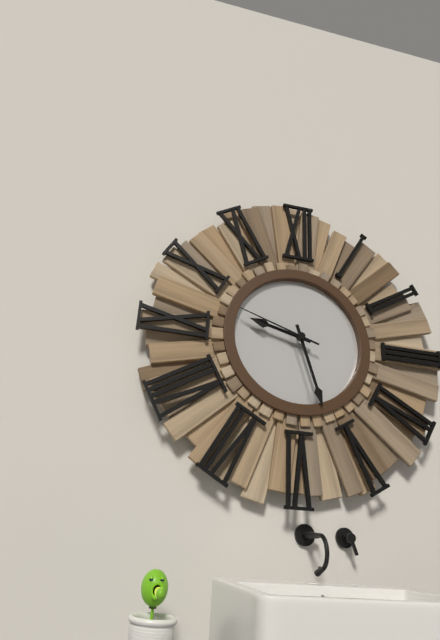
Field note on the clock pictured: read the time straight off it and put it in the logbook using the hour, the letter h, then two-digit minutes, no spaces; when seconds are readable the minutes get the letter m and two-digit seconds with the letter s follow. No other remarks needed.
9h27m48s
